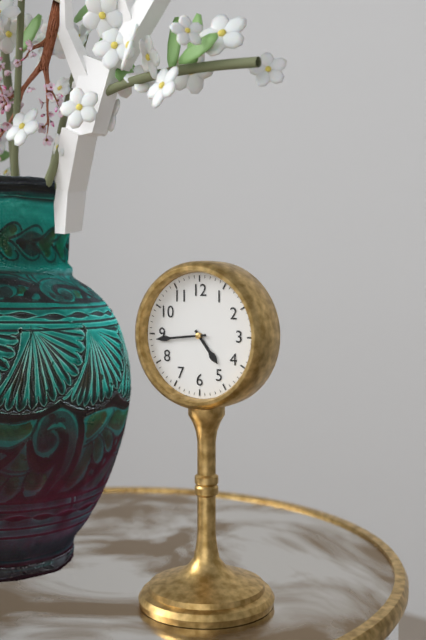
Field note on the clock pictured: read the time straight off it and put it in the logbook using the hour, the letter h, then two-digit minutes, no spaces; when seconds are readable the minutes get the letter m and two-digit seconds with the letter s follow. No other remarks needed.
4h44
